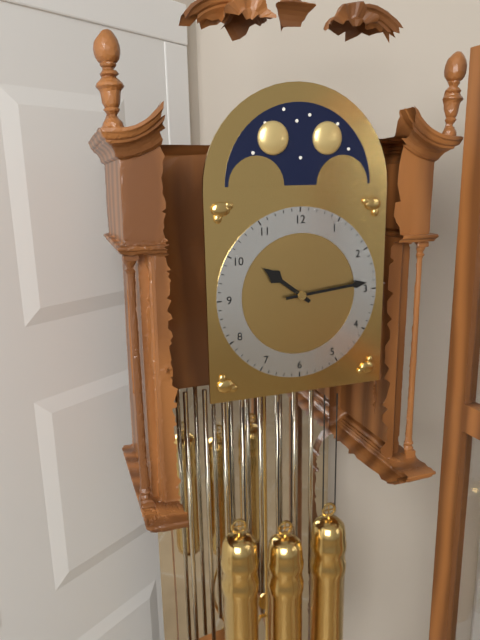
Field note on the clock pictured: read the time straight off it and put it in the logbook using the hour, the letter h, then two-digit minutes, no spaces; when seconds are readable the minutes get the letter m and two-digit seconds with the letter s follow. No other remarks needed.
10h14
